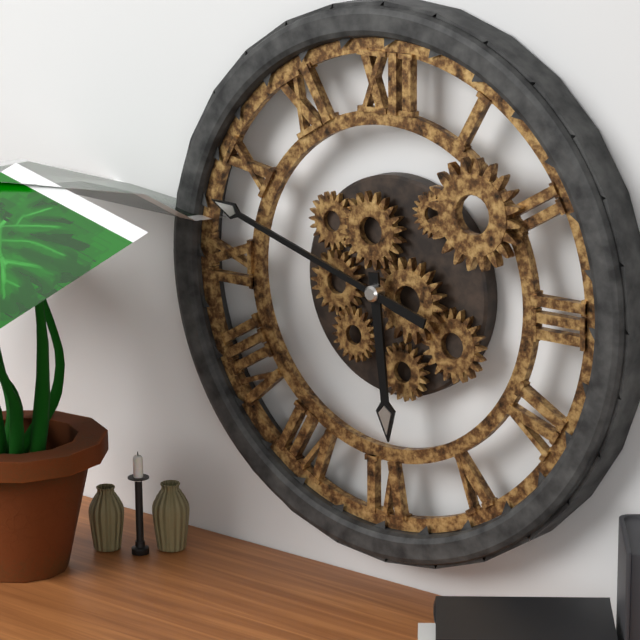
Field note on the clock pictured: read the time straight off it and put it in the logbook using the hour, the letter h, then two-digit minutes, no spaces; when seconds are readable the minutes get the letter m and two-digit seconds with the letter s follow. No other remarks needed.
5h48
